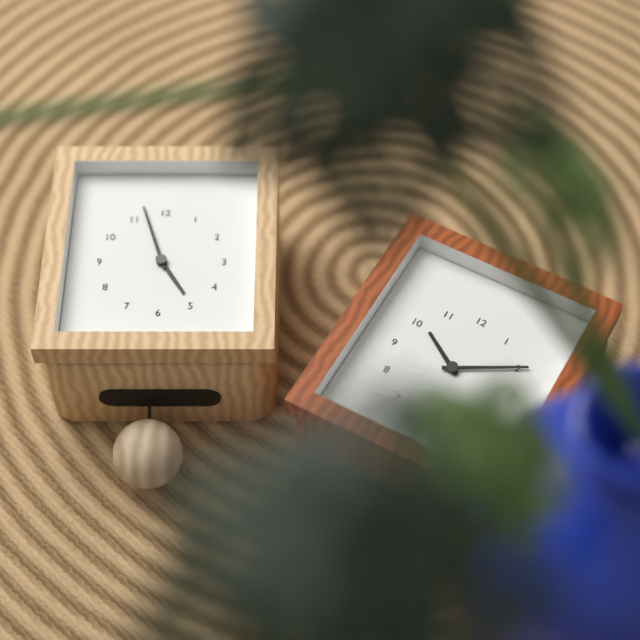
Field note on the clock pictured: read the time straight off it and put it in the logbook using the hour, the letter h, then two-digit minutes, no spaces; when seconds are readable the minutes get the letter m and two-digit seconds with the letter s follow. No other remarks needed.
4h57
